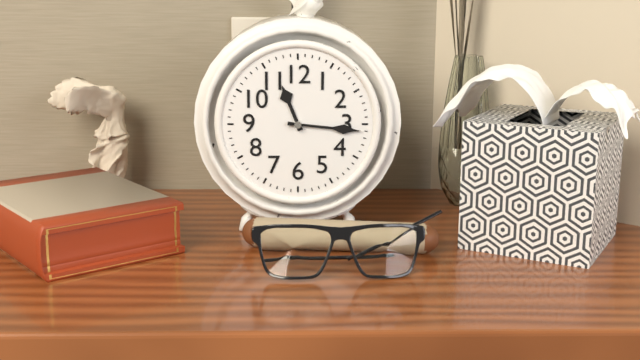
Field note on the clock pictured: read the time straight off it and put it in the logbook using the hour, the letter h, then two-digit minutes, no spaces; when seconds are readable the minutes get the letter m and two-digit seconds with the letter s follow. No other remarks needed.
11h16
